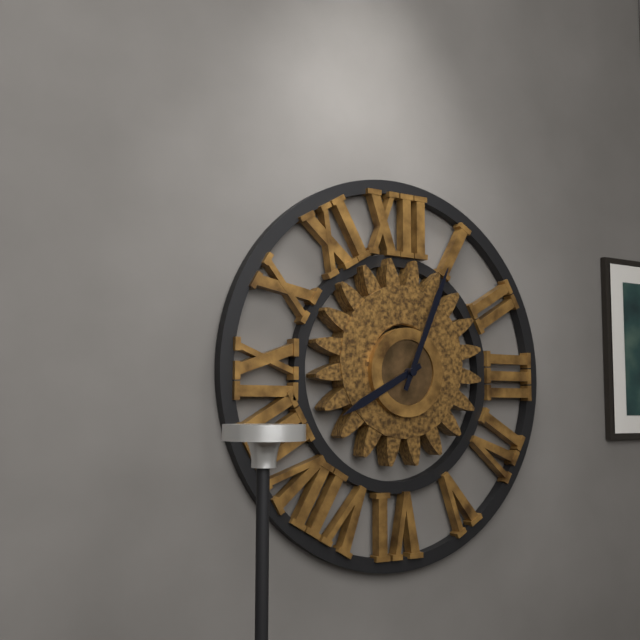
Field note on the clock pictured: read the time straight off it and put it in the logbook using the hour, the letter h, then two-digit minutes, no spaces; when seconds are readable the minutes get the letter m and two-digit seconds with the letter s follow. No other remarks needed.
8h04
